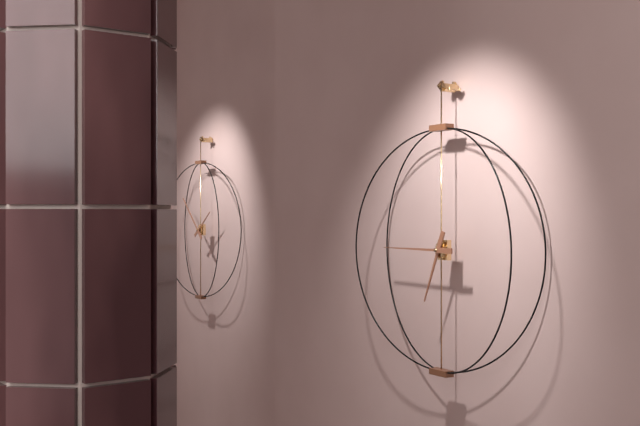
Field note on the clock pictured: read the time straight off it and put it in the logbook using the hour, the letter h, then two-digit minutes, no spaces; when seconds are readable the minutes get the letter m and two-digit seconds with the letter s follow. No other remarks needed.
6h45
